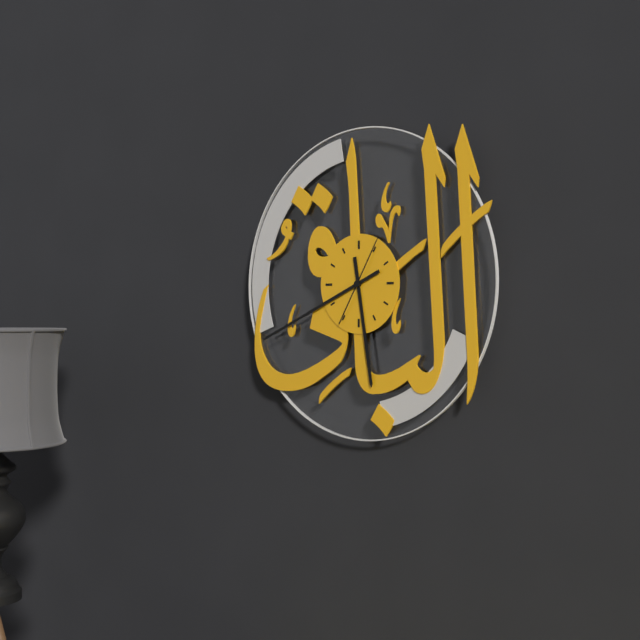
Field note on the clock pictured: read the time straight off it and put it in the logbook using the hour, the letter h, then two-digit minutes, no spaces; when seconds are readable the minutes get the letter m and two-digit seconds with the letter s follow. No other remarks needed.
5h41m05s
